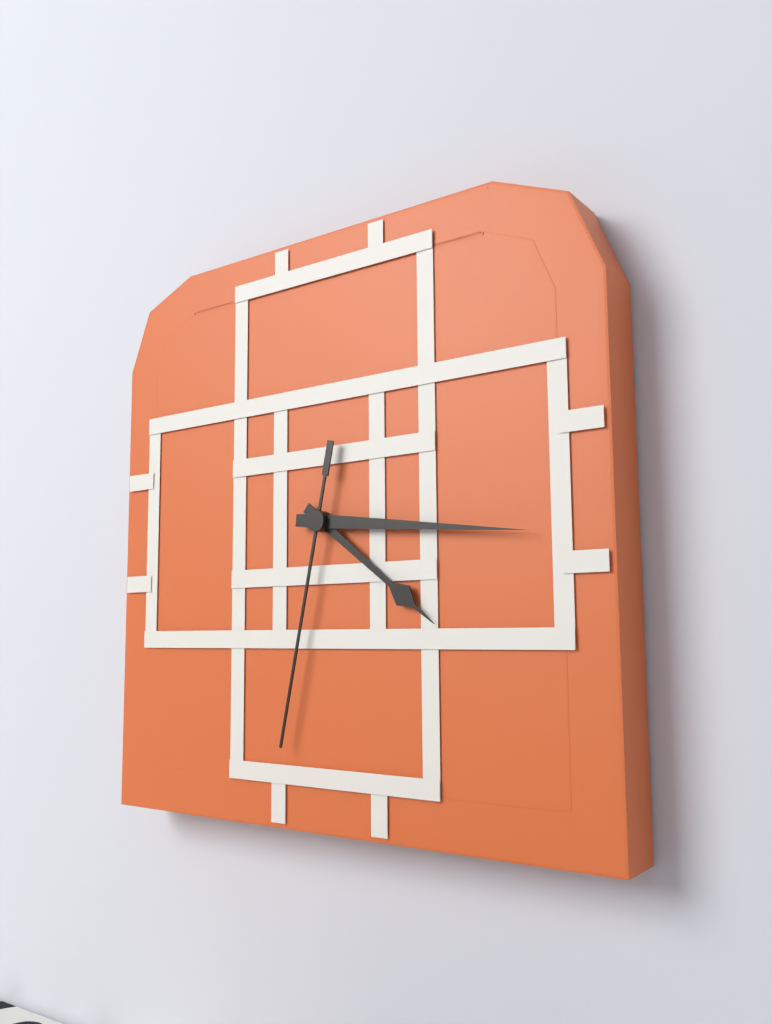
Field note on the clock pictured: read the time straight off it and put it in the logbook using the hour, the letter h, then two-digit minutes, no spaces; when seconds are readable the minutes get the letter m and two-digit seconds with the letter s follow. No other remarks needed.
4h16m32s
